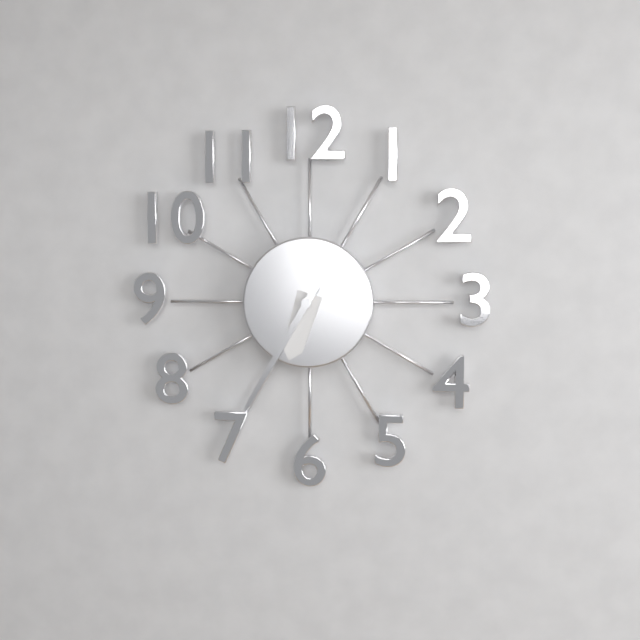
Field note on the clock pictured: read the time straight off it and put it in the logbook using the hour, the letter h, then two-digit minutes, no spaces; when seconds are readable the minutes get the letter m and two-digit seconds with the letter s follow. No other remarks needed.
6h35
